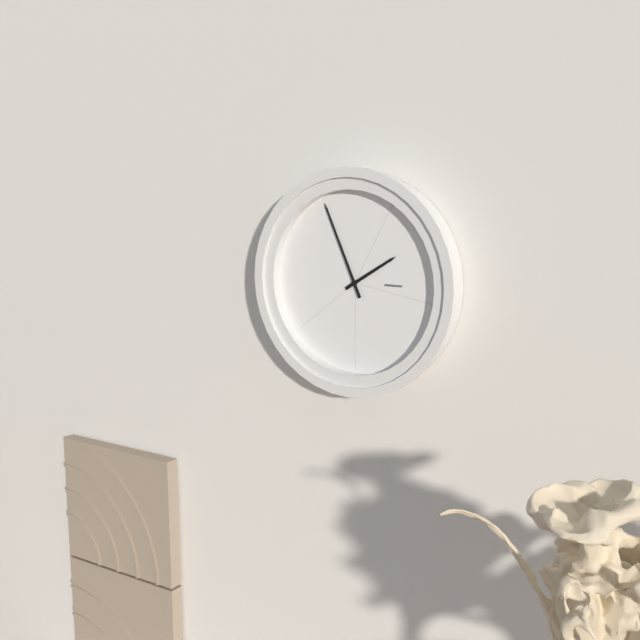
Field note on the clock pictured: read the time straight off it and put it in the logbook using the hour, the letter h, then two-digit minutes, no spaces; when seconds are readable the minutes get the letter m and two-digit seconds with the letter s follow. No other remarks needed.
1h56
